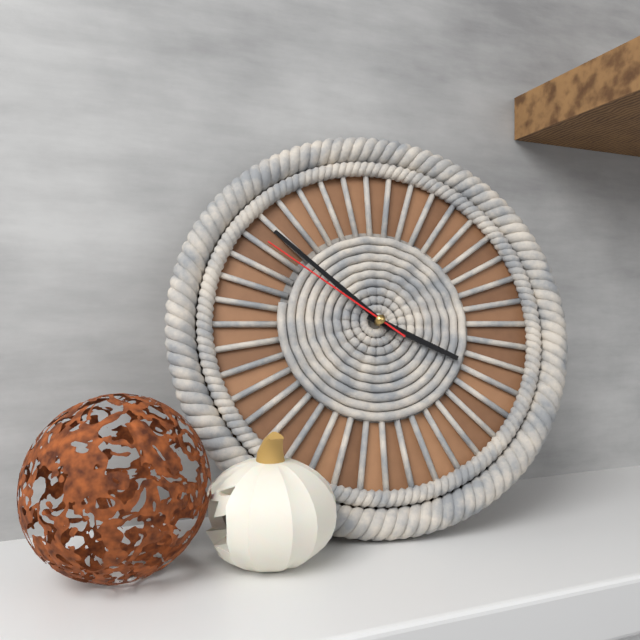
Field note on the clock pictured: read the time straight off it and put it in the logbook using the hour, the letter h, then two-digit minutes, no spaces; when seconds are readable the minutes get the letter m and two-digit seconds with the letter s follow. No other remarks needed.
3h52m51s
